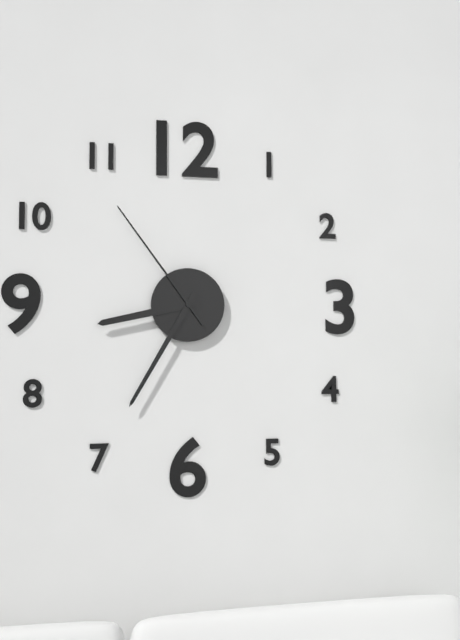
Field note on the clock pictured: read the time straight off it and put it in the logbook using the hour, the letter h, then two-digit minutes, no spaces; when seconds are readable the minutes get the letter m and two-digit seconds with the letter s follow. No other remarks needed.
8h35m54s
